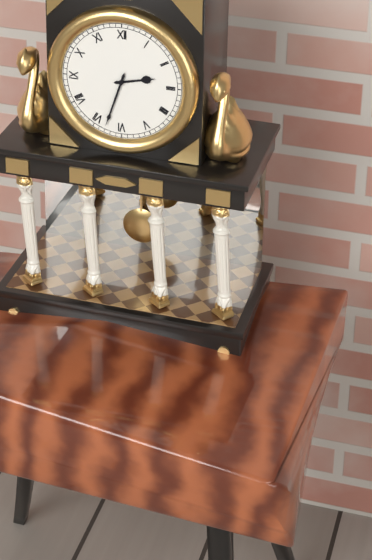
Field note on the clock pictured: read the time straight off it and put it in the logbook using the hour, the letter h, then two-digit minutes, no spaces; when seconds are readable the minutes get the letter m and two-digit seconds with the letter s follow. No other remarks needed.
2h33
